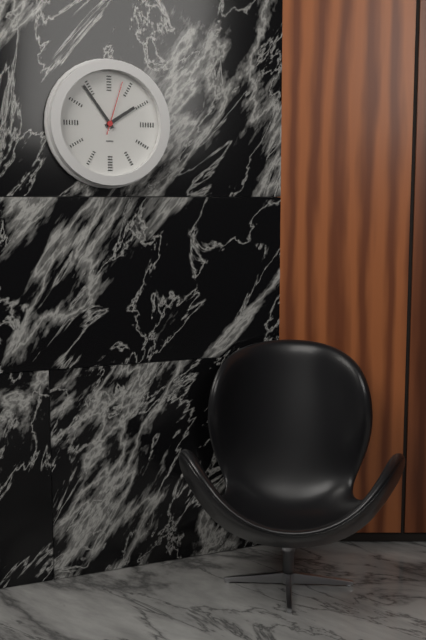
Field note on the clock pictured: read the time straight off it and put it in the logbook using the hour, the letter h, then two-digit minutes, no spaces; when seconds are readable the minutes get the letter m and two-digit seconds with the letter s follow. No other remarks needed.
1h54m03s
